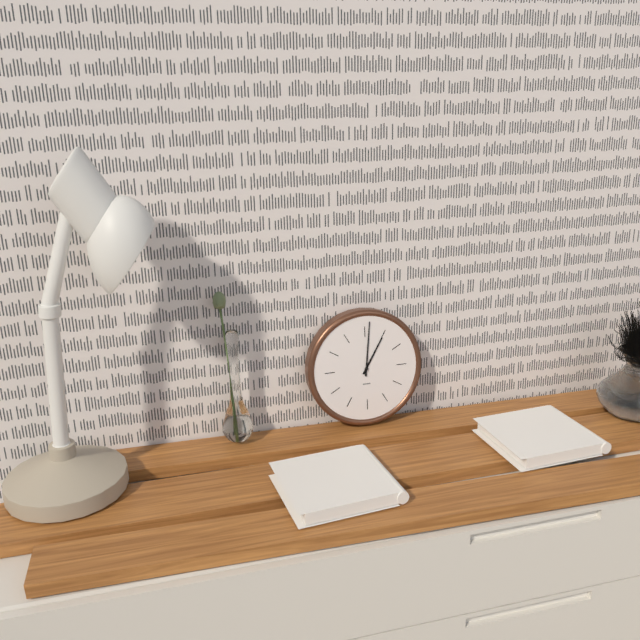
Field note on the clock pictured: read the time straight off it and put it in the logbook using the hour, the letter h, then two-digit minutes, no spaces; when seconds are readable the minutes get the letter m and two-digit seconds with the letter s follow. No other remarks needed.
1h01
